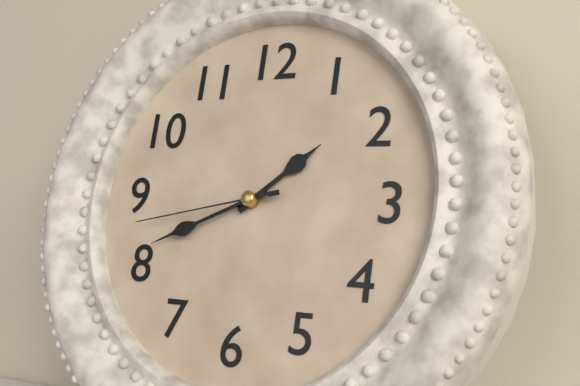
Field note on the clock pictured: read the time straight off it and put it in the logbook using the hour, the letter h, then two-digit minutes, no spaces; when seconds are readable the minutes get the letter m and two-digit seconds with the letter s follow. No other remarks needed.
1h41m43s
